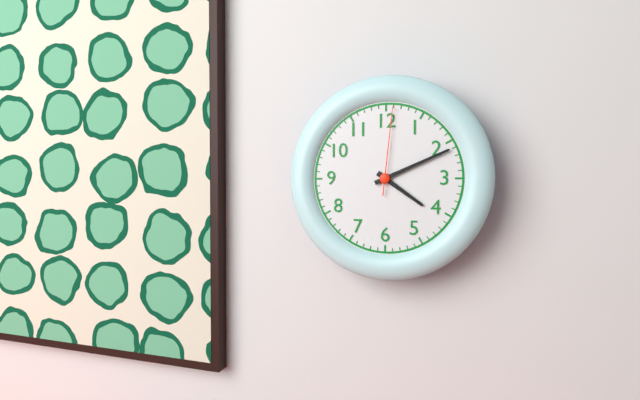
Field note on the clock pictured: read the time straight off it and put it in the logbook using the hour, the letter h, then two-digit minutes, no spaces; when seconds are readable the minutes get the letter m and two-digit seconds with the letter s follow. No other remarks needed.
4h11m01s
